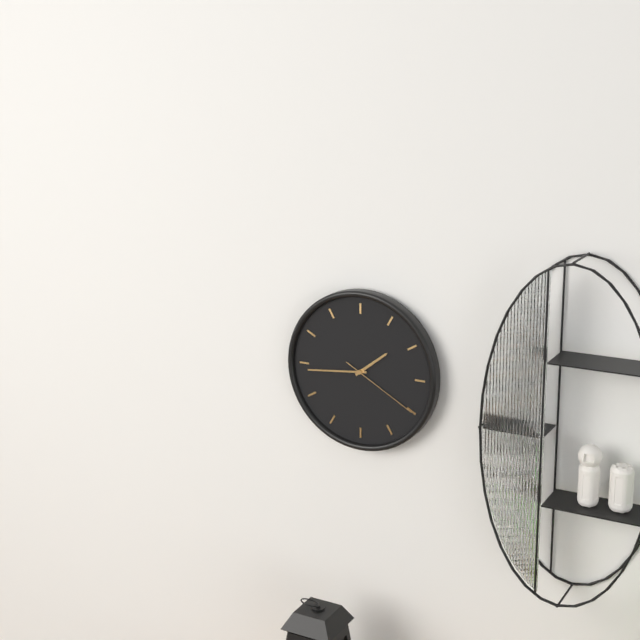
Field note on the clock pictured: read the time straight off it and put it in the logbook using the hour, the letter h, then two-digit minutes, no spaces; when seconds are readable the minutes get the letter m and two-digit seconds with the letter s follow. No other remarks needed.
1h44m20s
